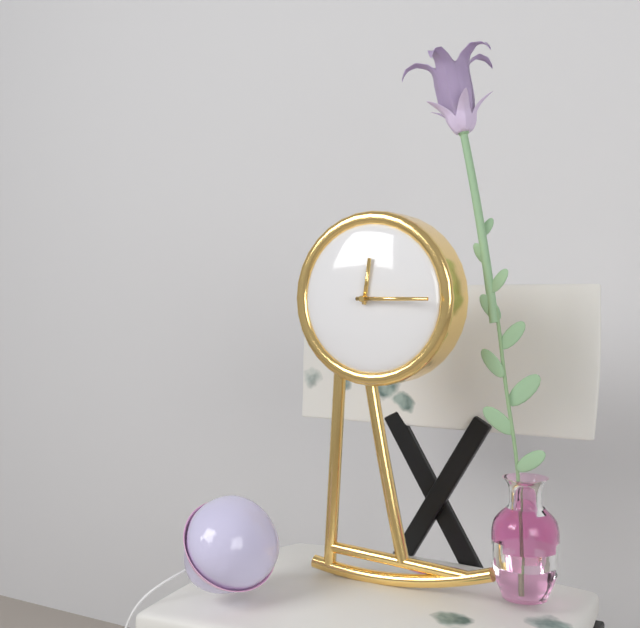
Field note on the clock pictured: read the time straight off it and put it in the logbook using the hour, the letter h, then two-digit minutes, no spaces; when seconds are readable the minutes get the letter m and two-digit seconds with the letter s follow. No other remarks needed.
12h15
